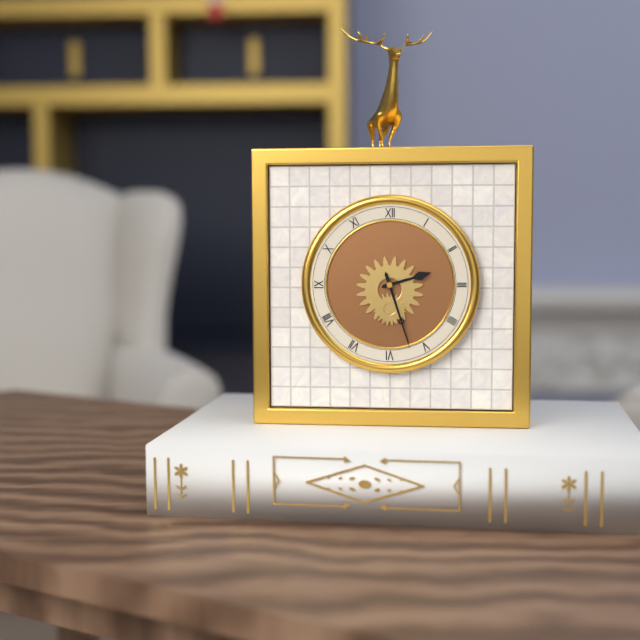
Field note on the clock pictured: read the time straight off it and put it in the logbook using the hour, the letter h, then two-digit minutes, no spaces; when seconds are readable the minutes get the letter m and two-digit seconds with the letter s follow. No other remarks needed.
2h27
